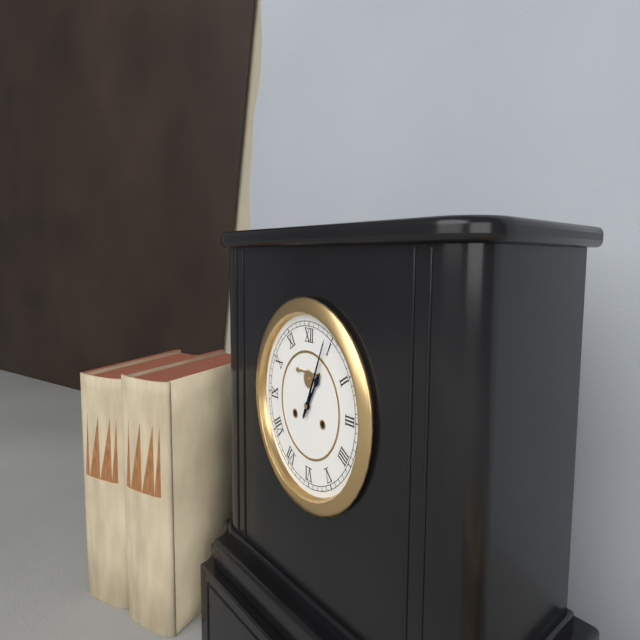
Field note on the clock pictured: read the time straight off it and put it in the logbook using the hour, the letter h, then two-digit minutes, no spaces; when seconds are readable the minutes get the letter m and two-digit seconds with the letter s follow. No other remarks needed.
1h04
